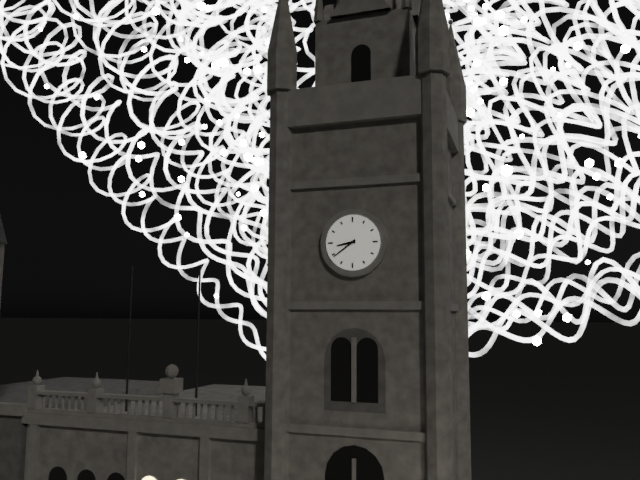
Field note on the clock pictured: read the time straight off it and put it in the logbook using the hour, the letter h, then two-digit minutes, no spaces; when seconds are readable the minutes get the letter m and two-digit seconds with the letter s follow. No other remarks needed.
8h39
